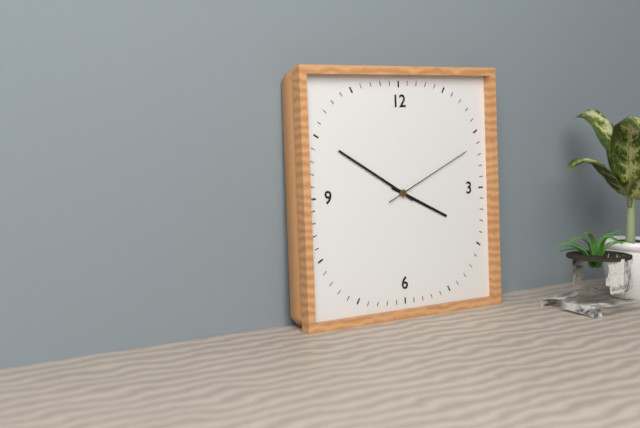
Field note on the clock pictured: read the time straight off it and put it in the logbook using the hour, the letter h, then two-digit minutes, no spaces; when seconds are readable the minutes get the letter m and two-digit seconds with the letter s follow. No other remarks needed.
3h50m11s
